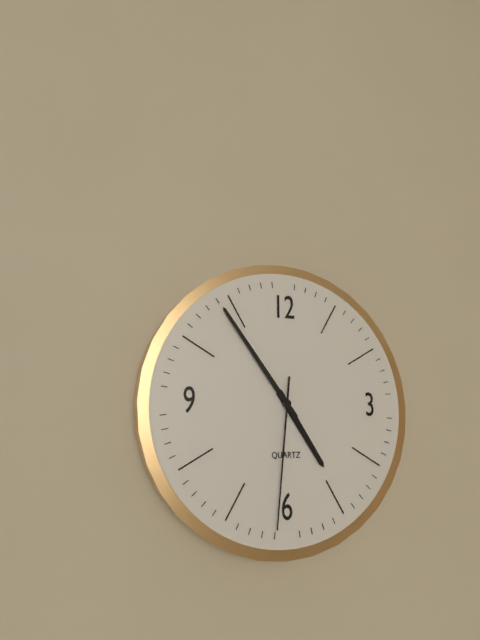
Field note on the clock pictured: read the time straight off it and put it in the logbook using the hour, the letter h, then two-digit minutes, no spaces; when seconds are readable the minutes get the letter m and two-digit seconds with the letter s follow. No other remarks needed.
4h54m31s
